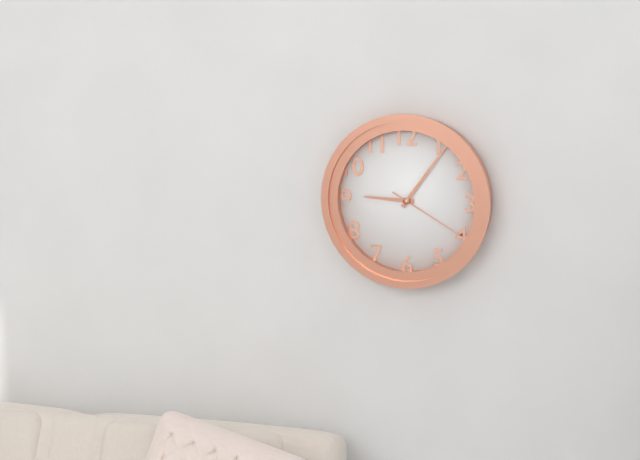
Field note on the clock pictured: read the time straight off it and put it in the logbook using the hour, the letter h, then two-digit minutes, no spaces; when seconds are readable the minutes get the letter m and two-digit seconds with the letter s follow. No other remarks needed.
9h06m20s
